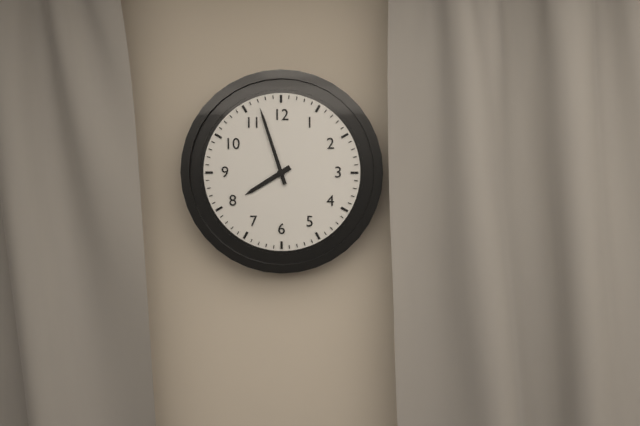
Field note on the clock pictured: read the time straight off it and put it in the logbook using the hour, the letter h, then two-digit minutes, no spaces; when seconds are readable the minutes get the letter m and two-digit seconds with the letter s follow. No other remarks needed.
7h57
